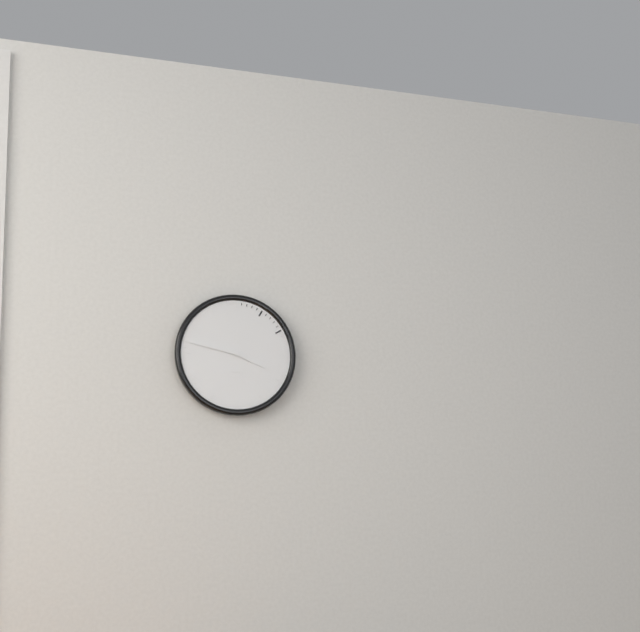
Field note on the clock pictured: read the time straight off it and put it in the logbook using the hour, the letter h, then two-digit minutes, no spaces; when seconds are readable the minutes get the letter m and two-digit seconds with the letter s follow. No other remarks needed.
3h47
